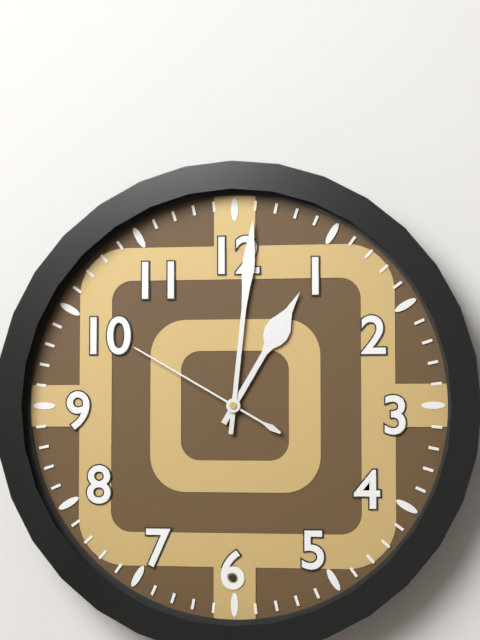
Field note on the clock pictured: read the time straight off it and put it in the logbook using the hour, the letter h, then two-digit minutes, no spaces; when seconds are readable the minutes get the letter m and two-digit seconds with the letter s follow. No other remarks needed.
1h01m50s
